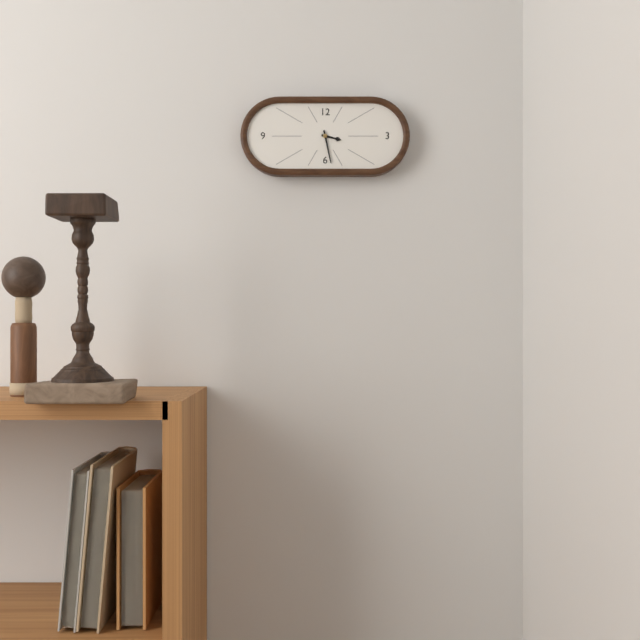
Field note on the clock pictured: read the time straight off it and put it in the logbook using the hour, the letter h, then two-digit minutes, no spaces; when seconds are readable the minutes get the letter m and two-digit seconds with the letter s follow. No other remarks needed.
3h28
